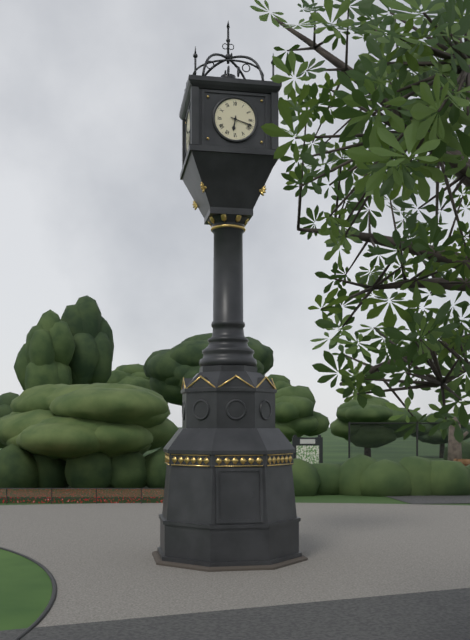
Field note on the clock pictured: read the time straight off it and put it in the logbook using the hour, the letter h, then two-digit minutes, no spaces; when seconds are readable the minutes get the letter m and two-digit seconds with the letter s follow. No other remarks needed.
6h18
